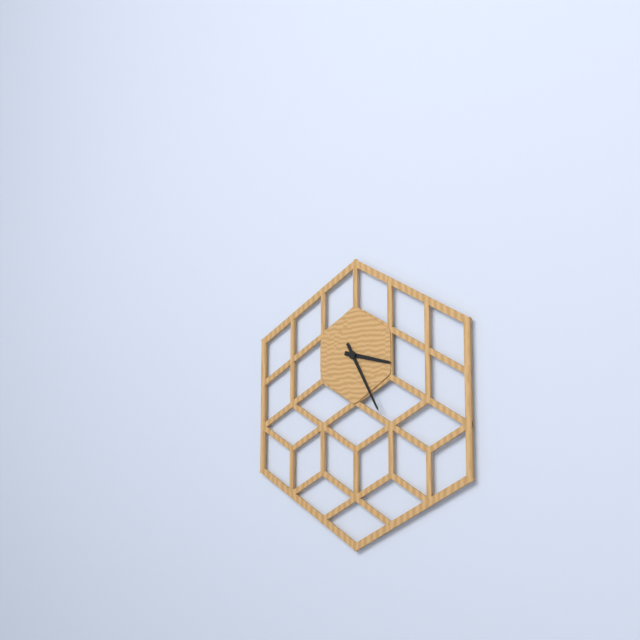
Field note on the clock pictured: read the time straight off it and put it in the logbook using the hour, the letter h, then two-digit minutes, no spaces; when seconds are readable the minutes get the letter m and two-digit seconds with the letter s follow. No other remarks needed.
3h25
